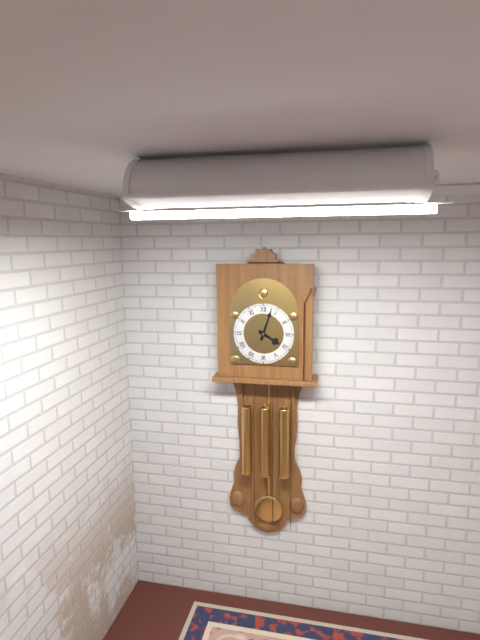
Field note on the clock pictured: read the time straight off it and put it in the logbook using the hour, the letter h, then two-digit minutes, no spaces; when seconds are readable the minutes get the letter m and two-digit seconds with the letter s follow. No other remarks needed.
4h03
